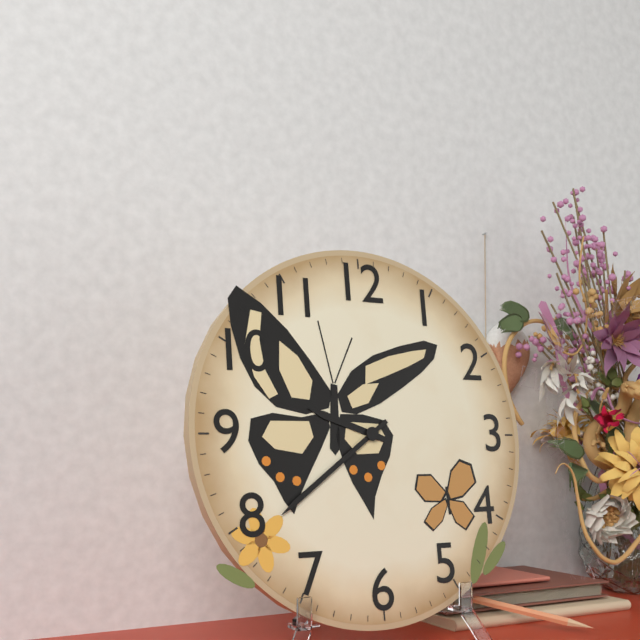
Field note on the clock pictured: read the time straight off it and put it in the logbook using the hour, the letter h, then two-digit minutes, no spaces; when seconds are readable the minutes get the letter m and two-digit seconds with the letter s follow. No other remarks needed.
9h39
